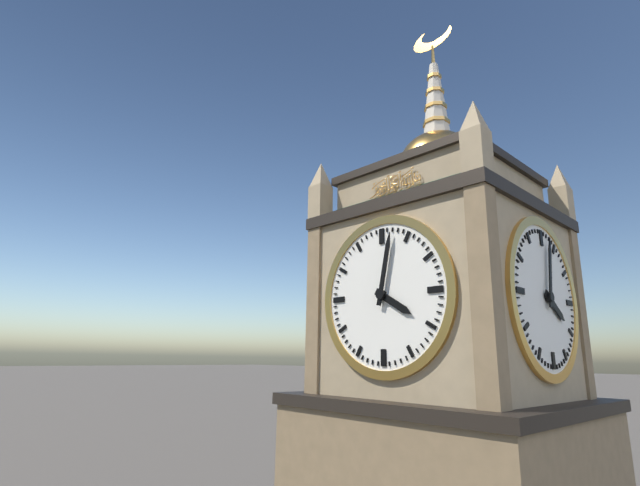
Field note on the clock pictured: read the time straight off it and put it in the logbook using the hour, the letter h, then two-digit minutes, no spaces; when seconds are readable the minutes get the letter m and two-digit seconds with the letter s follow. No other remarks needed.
4h02
